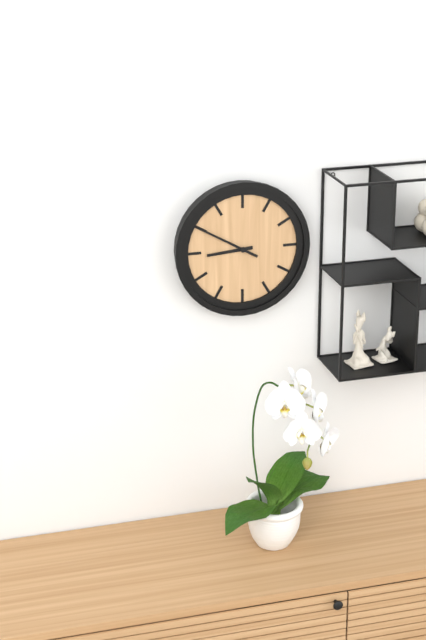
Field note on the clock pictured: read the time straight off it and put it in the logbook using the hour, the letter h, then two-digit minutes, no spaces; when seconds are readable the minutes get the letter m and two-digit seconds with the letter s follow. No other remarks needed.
8h50
